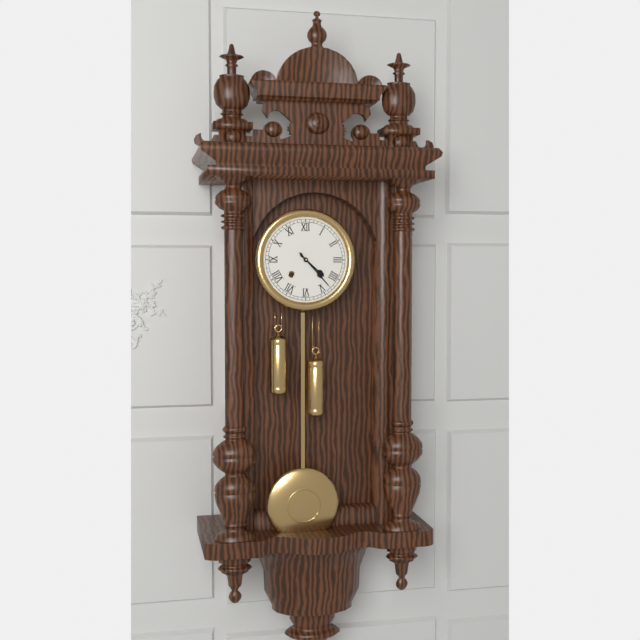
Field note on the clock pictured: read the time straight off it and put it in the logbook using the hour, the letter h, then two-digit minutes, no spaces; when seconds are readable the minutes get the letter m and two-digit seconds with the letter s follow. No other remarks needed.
4h23
